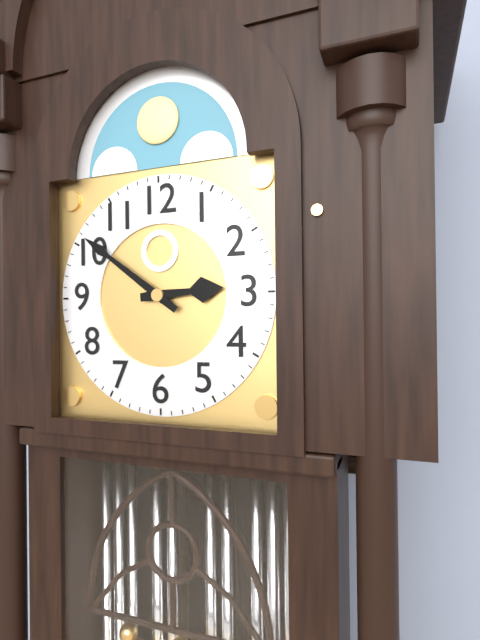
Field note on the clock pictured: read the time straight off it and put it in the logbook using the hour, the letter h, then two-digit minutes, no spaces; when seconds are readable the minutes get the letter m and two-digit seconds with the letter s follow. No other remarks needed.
2h51
